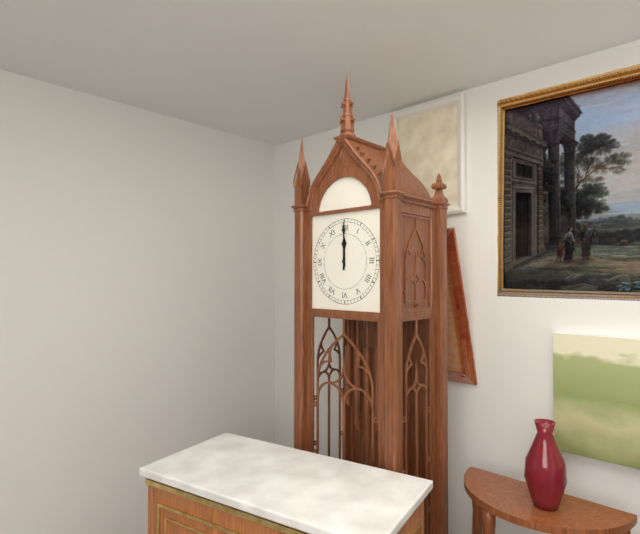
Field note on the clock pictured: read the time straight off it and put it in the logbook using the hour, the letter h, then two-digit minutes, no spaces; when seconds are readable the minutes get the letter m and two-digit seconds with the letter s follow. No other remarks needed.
12h00
